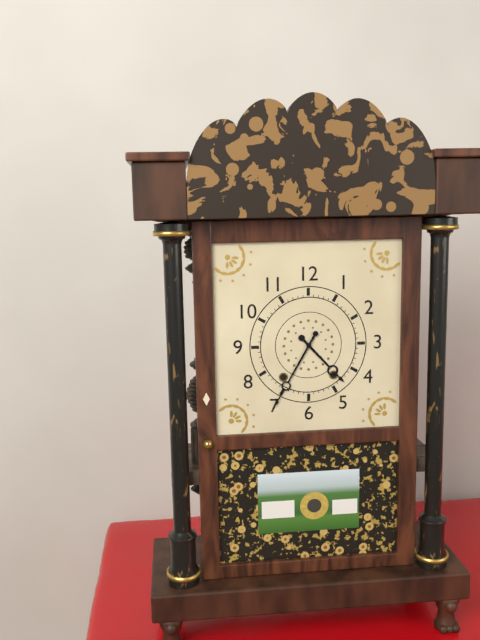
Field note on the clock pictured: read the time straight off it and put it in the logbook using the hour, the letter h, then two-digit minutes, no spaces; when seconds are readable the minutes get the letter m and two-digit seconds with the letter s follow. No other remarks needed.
4h35
